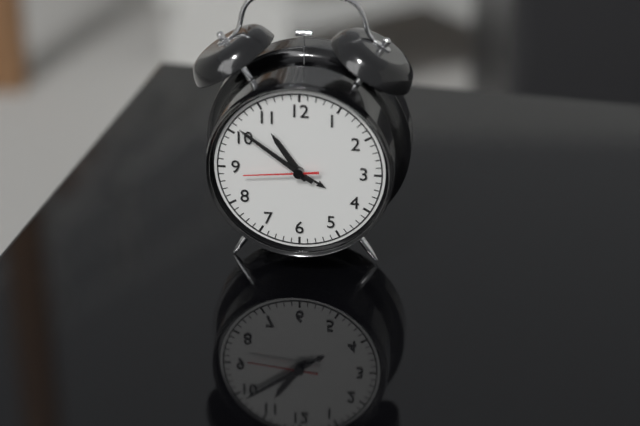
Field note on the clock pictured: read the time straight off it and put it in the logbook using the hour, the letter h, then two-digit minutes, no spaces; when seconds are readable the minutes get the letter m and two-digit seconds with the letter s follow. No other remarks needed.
10h51m44s
